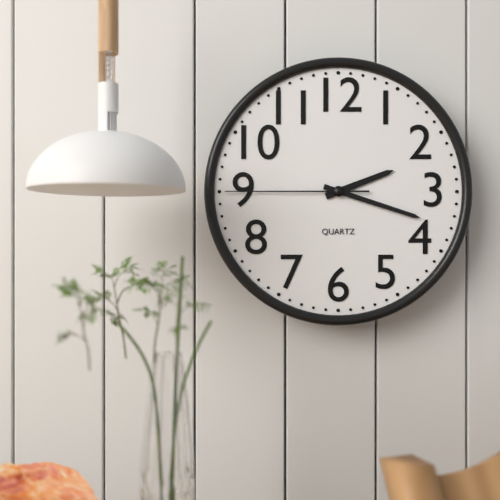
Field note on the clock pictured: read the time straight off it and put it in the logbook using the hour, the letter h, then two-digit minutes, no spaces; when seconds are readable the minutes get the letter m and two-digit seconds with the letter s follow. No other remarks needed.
2h18m45s
